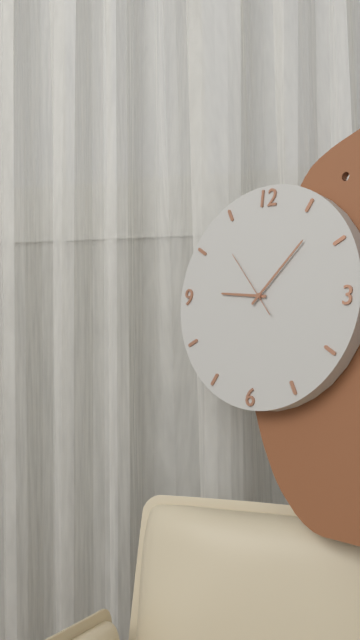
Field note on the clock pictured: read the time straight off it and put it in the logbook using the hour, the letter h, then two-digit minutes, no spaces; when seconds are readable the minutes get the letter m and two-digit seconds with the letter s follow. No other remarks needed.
9h07m53s
